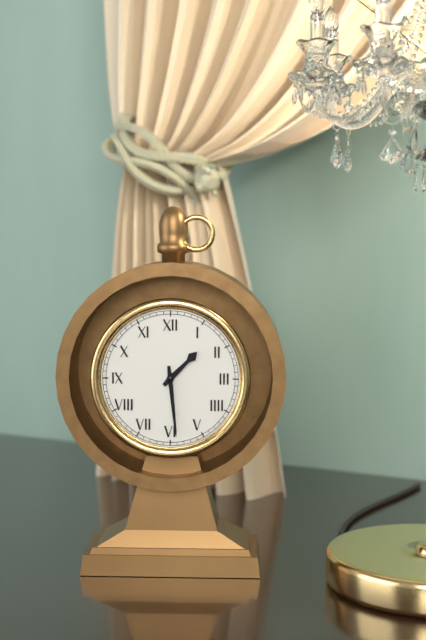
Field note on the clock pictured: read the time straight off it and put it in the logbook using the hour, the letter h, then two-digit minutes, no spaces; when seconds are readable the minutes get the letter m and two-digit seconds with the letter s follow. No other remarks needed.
1h29
